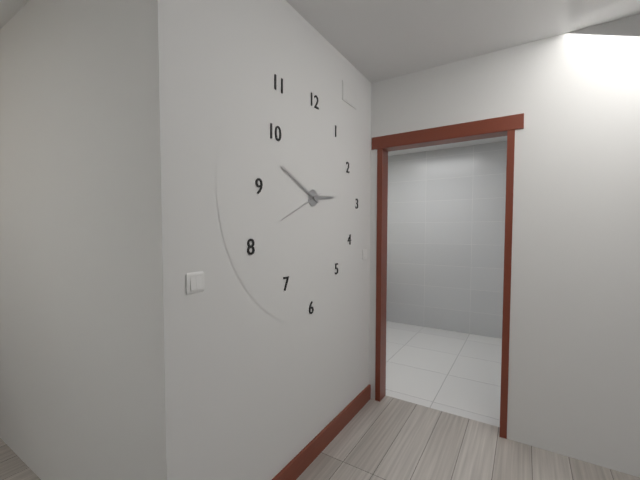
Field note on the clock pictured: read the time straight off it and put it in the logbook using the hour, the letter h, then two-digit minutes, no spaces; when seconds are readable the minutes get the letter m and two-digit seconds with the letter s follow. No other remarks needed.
2h49m41s
